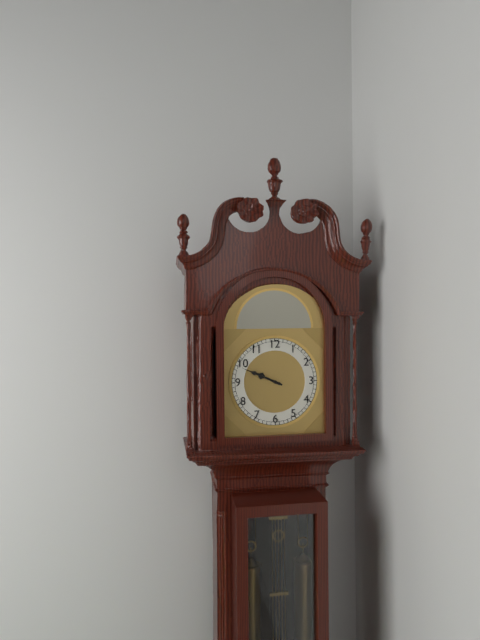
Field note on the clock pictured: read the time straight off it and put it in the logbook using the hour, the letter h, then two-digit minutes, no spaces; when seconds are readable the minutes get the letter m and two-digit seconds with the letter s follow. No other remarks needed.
9h49
